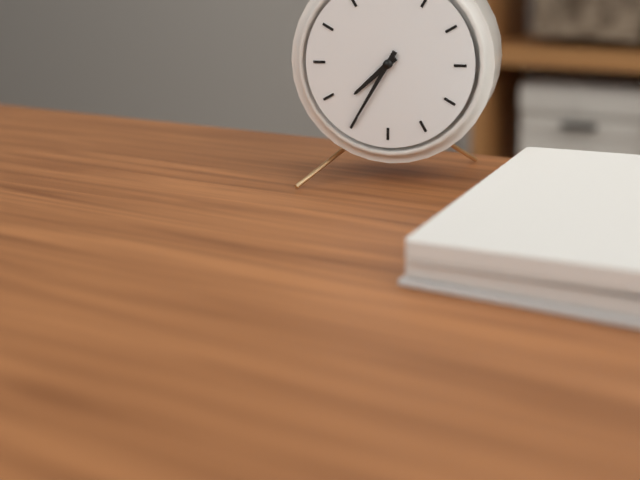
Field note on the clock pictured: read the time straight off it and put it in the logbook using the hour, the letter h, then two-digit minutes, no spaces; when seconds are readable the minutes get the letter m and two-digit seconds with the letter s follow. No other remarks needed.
7h35
